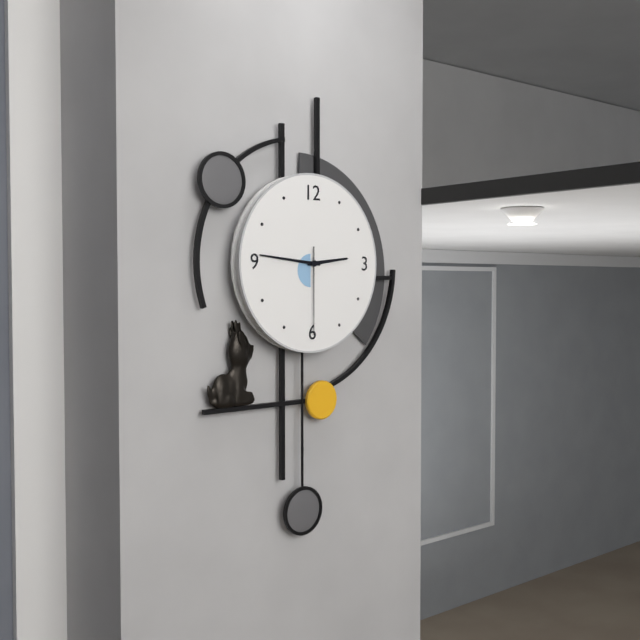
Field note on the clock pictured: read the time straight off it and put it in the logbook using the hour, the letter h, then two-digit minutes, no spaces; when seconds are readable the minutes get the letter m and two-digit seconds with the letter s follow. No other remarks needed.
2h46m30s
